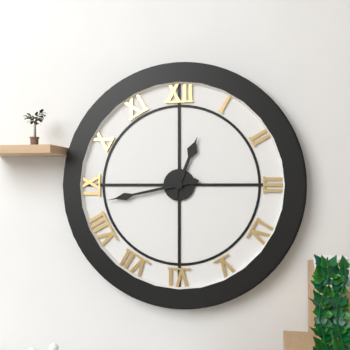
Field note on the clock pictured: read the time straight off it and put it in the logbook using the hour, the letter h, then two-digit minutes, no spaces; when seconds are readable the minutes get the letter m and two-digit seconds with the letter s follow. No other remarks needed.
12h43
